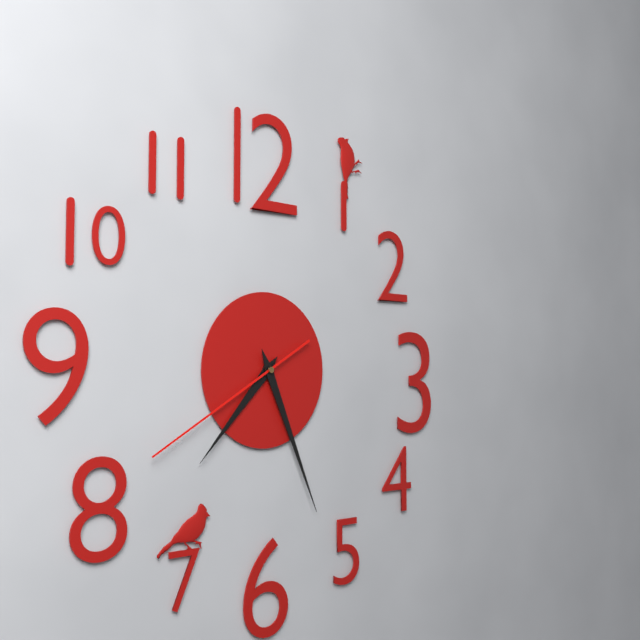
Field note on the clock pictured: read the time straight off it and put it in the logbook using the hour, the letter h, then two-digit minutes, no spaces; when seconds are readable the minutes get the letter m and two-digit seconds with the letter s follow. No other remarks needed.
7h26m40s
